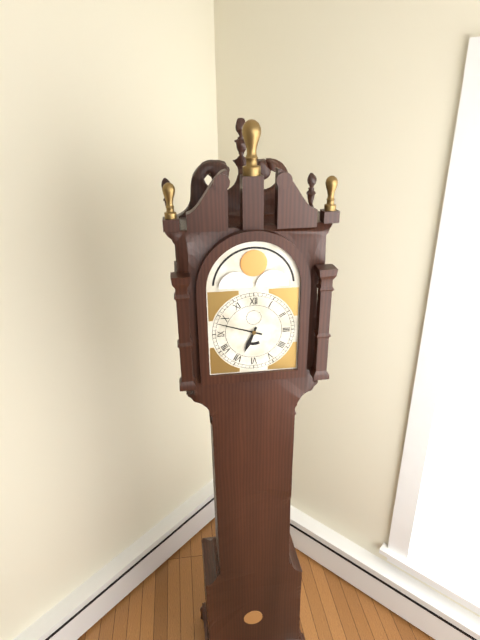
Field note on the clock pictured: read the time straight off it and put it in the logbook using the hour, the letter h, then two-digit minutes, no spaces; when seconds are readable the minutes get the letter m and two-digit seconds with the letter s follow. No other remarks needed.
6h48
